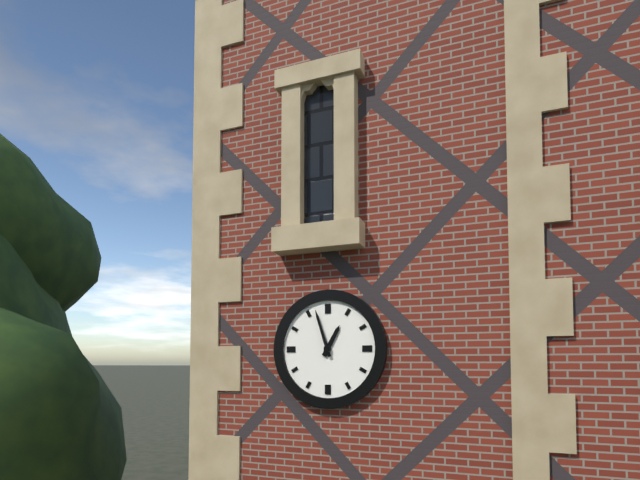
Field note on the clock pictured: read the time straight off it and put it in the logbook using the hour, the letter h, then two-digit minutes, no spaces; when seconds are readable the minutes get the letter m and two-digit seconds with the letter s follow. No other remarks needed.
12h57
